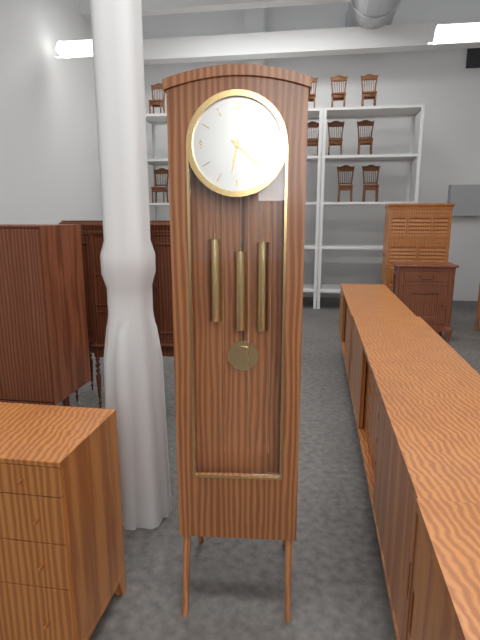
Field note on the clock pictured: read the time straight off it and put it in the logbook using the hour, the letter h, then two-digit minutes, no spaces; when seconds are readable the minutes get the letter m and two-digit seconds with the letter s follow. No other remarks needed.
6h22
